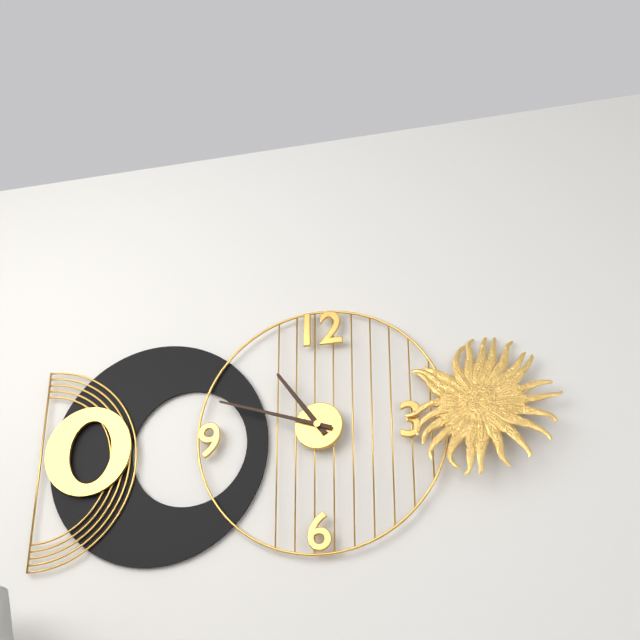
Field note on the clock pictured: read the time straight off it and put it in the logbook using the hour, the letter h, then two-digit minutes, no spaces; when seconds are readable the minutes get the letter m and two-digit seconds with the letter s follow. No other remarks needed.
10h48
